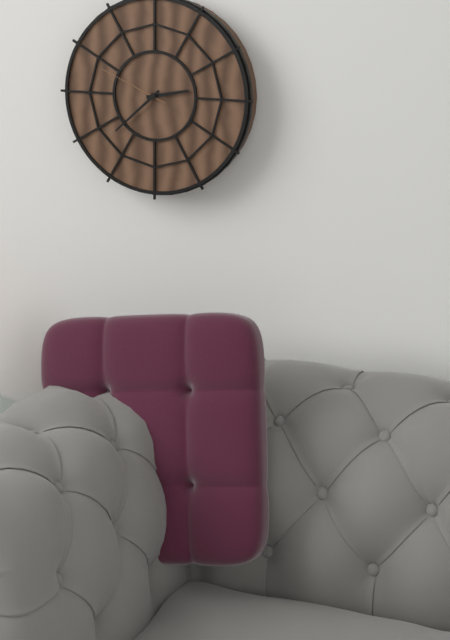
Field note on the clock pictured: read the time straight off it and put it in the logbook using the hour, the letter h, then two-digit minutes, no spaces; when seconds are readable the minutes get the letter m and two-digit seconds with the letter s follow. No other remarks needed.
2h38m49s
